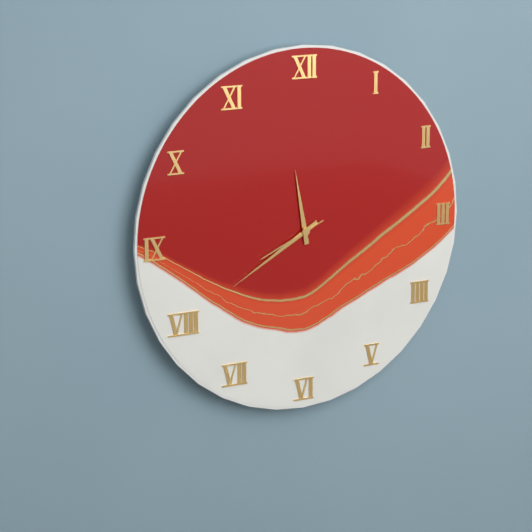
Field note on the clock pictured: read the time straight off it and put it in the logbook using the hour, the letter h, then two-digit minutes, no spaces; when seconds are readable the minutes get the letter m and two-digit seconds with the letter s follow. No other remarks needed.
11h40m41s
